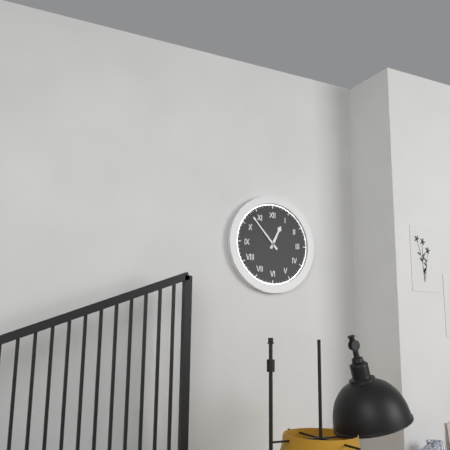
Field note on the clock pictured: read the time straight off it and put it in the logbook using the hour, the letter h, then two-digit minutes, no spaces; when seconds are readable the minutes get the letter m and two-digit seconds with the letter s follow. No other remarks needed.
12h53
